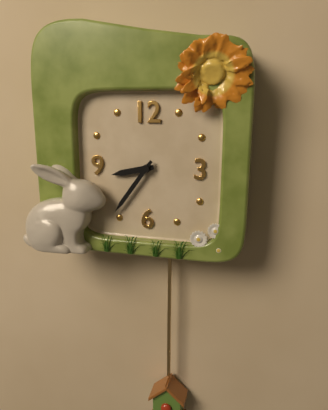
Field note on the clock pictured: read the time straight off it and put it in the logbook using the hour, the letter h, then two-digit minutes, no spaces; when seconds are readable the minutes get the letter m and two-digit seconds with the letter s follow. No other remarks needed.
8h36
